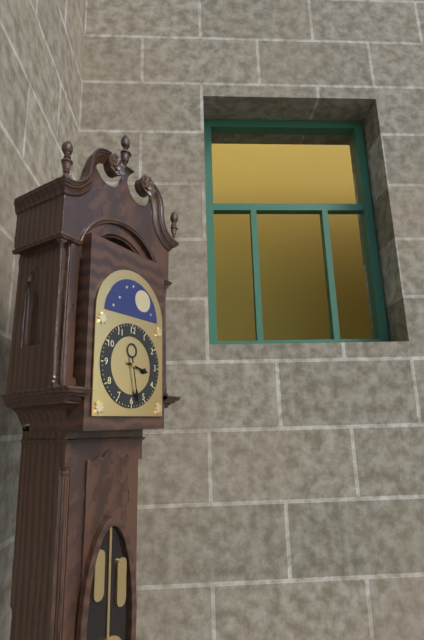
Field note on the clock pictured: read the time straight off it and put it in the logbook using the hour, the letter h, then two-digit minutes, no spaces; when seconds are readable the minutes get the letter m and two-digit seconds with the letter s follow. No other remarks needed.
3h28
